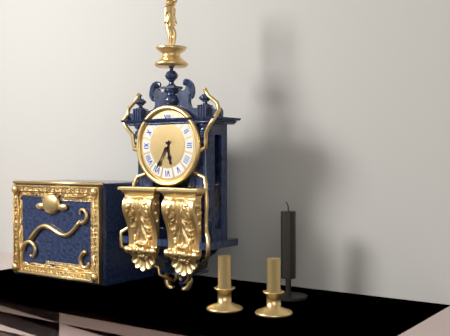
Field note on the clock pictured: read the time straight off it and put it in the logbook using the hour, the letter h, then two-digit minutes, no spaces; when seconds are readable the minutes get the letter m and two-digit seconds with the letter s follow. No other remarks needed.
5h35
